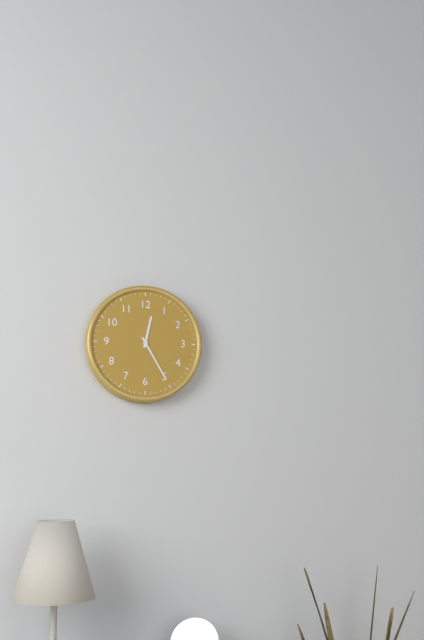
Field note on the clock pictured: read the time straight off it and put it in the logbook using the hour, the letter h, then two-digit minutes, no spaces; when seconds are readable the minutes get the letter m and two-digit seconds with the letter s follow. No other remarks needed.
12h25
